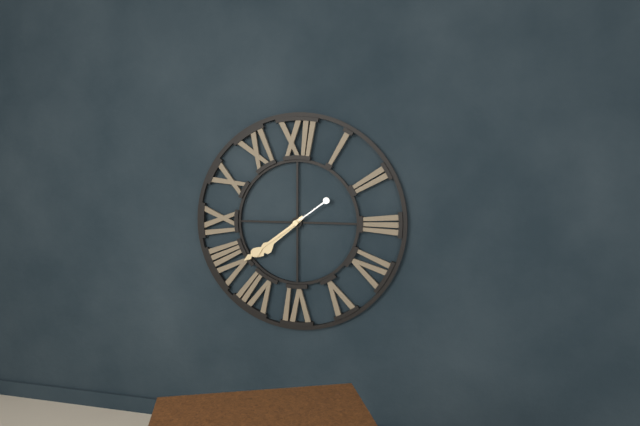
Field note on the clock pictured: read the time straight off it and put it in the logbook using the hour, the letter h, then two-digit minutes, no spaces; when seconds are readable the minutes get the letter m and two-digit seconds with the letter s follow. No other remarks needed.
7h39
